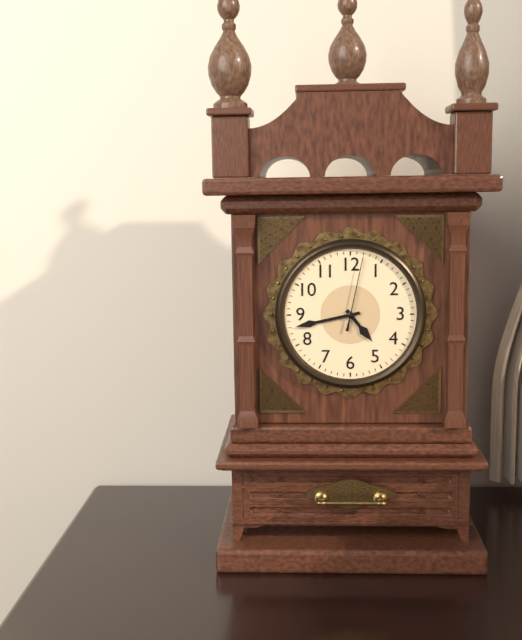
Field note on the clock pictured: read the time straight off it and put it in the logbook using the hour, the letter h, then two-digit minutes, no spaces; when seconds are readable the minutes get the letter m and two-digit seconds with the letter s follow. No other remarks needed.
4h43m02s
